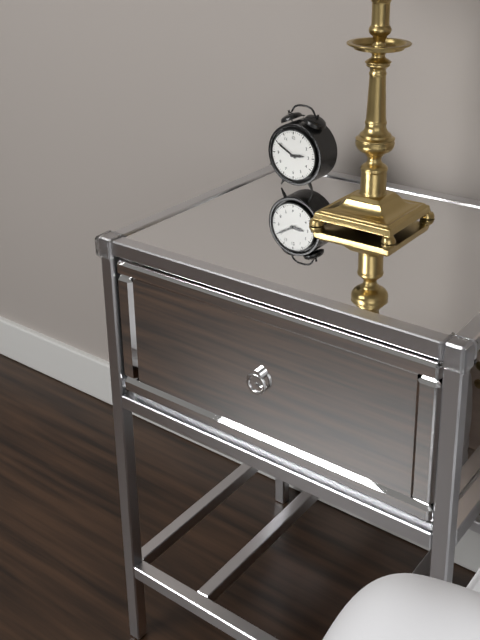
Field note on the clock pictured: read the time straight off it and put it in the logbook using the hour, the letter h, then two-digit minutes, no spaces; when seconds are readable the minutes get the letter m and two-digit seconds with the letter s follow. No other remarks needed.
2h50
